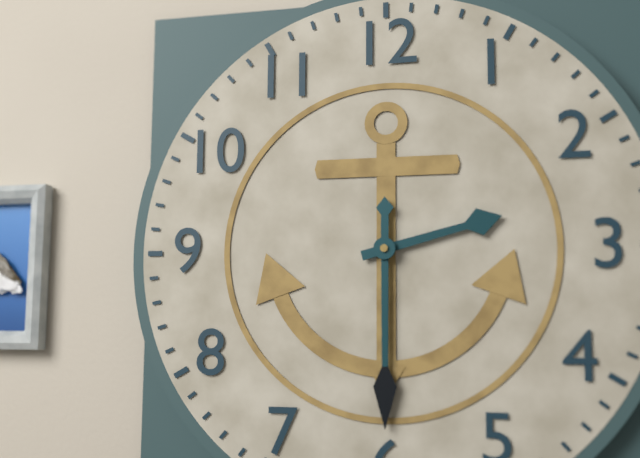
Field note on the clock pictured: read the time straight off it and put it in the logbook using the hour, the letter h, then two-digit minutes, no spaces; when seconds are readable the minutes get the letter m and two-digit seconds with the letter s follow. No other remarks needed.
2h30
